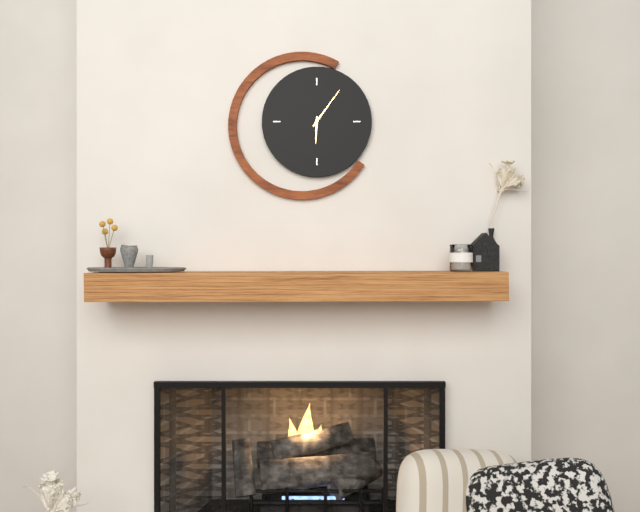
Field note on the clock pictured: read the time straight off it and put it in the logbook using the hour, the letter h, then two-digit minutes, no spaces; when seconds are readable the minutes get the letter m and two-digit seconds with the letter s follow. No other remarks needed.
6h06
